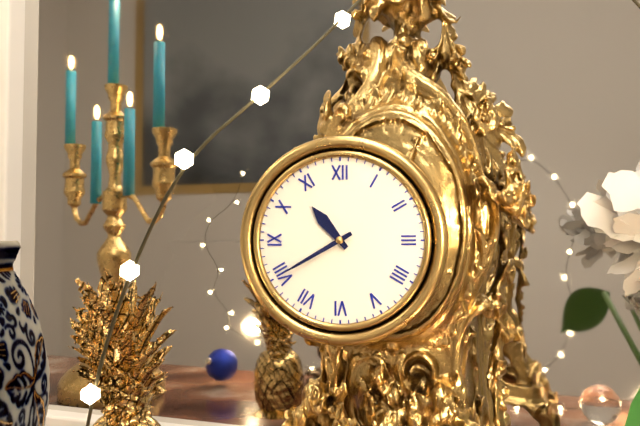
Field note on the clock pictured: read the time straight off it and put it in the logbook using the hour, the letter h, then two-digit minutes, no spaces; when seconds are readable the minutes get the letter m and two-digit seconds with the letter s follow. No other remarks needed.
10h40
